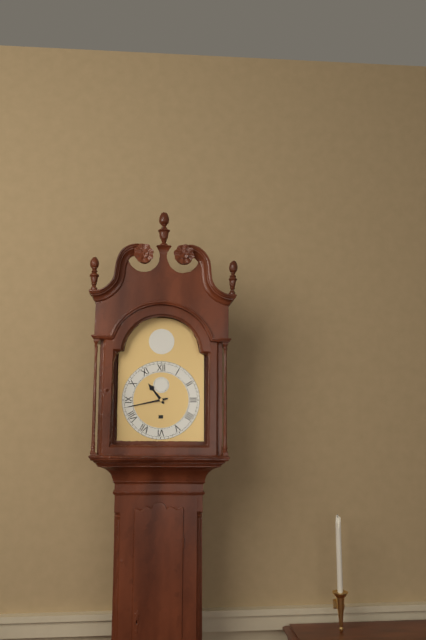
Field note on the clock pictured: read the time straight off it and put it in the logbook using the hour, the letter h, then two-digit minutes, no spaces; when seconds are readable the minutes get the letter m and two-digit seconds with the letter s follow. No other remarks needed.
10h43
